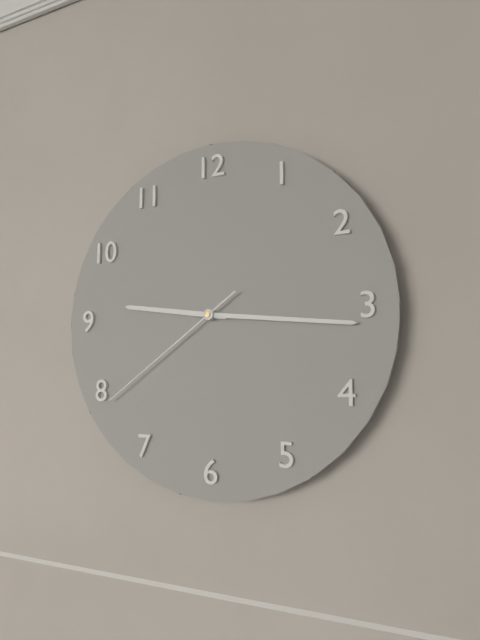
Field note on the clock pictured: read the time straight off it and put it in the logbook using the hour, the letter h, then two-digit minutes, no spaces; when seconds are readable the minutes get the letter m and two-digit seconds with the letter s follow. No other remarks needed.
9h16m39s
